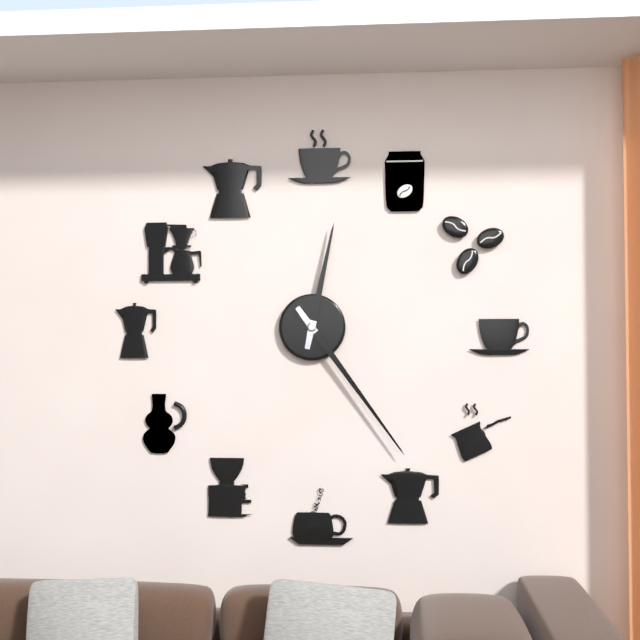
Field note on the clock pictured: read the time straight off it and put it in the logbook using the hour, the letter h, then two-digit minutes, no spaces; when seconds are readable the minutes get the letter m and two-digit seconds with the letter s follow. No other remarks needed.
12h24
